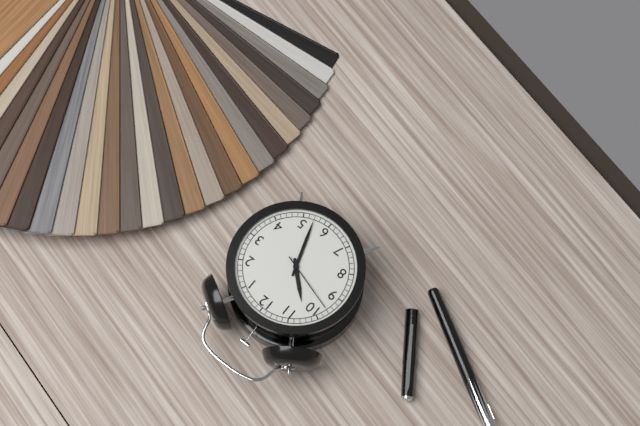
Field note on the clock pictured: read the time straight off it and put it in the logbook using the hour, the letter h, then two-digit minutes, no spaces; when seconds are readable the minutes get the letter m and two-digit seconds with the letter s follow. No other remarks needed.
10h27m48s
